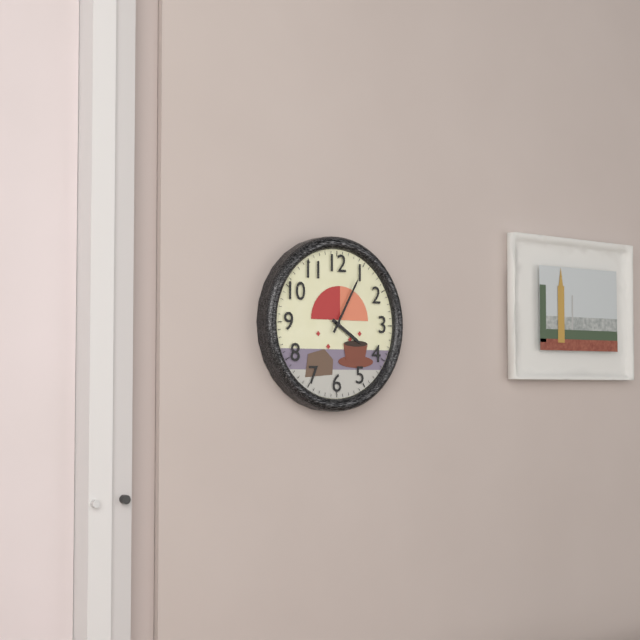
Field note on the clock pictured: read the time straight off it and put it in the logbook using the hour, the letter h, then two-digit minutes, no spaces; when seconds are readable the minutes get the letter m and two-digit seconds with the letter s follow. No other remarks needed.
4h05
